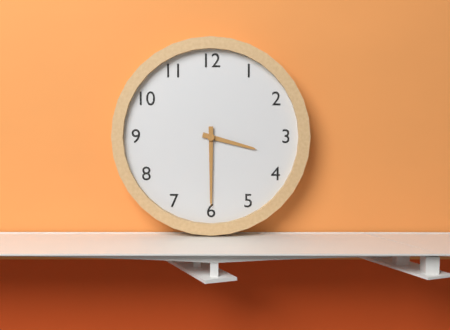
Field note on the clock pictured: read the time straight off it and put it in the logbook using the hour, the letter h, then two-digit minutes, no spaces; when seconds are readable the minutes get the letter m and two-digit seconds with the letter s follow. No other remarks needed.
3h30
